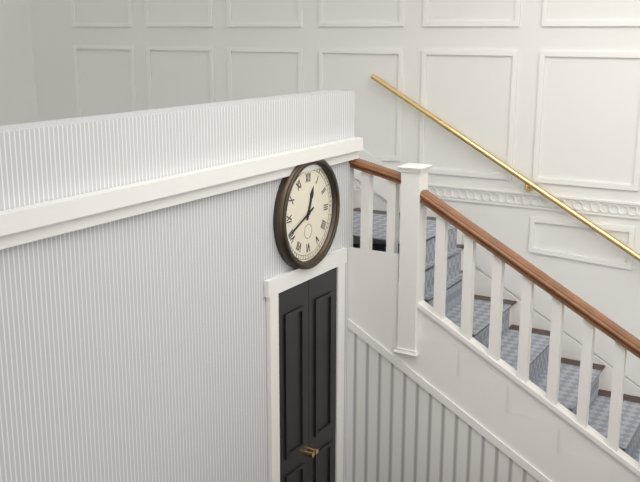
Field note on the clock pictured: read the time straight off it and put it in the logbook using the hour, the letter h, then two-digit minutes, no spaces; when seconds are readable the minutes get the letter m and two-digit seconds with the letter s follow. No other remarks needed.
12h41
